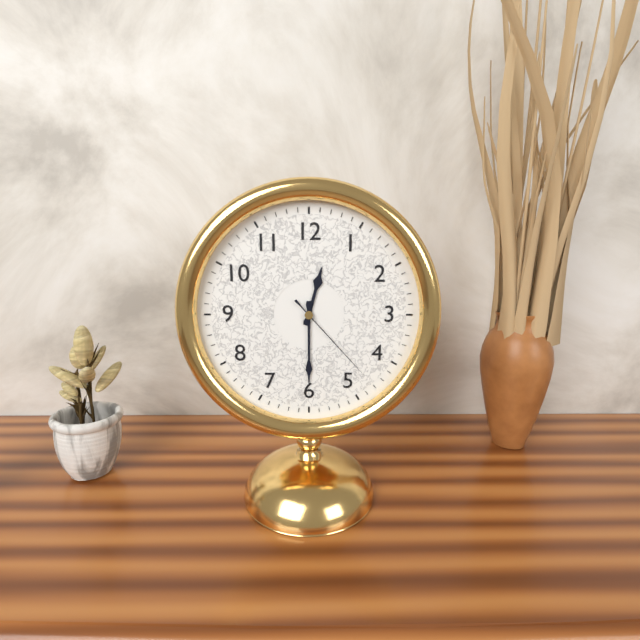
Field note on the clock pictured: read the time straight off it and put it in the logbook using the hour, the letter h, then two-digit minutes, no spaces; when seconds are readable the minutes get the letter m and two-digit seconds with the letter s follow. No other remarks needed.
12h30m23s
